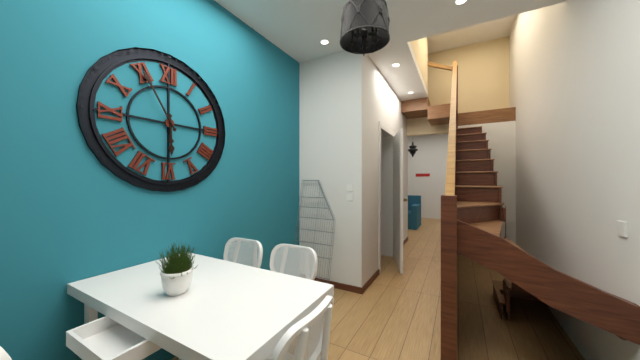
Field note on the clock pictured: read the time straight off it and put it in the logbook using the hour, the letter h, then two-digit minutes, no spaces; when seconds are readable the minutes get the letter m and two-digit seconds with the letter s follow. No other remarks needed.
5h55
